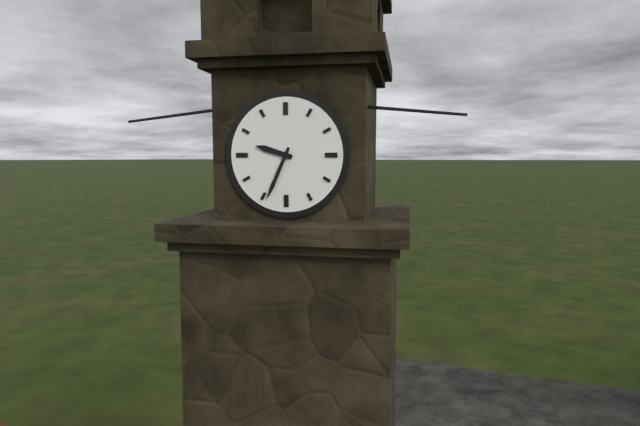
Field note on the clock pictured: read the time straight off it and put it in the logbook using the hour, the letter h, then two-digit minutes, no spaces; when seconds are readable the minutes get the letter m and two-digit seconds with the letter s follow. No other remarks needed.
9h34
